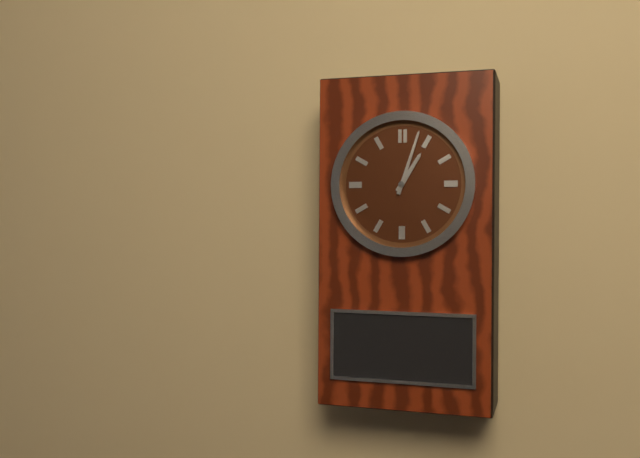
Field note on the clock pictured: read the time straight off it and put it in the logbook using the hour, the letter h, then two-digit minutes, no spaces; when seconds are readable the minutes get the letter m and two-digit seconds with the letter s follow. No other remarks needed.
1h03
